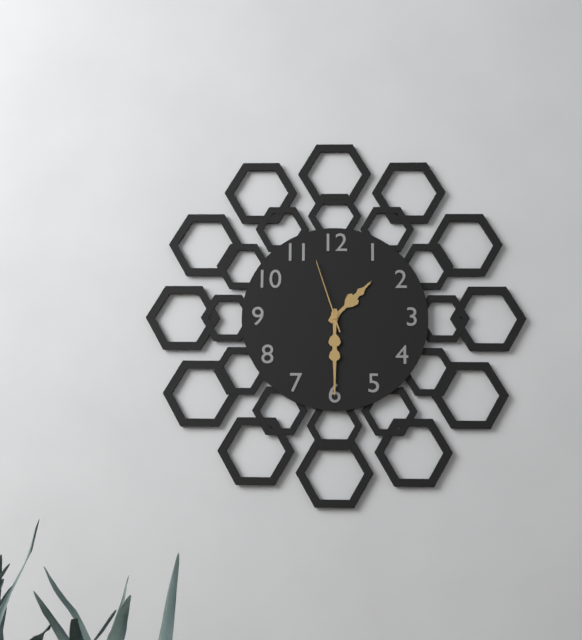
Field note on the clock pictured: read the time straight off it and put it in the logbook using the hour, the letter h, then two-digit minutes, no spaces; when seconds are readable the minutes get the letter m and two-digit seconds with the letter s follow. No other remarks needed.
1h30m57s
